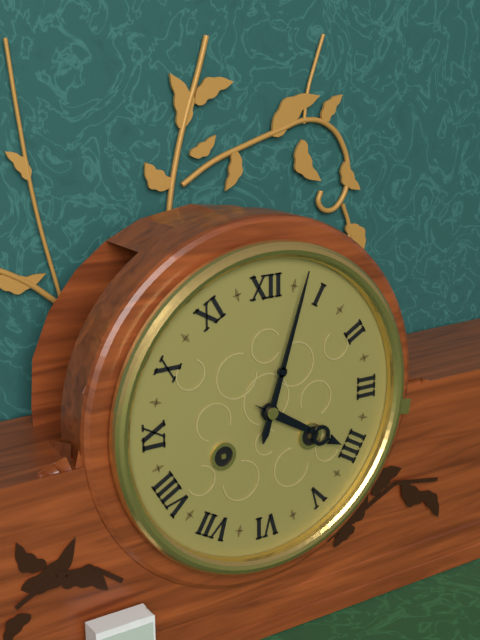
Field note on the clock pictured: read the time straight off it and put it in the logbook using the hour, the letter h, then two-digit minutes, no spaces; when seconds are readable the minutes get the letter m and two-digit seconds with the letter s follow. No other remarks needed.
4h03
